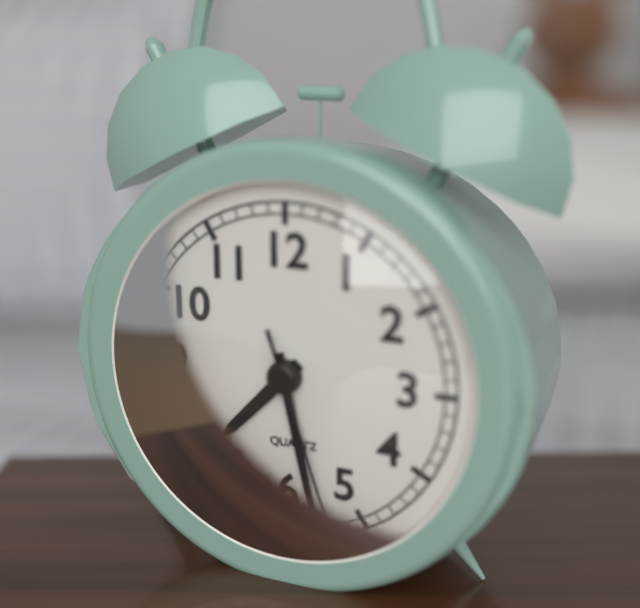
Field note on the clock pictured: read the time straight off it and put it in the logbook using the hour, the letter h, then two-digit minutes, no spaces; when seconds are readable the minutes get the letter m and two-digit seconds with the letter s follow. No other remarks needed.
7h28m27s
